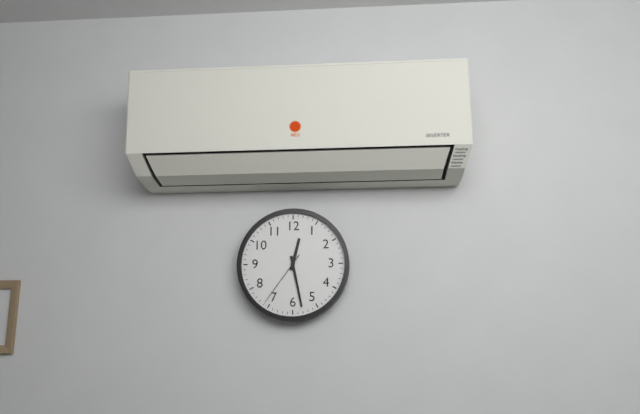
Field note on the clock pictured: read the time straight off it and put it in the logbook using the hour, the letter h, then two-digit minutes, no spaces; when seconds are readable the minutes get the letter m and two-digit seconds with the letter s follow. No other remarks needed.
12h28m36s
